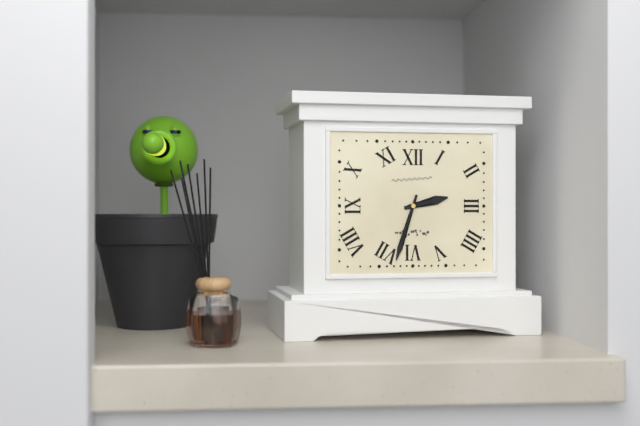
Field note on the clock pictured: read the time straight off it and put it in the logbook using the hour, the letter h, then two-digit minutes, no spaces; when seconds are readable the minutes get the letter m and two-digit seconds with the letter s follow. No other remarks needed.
2h33
